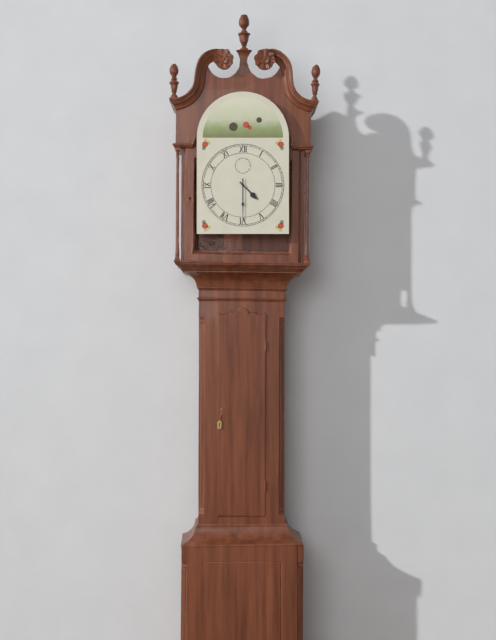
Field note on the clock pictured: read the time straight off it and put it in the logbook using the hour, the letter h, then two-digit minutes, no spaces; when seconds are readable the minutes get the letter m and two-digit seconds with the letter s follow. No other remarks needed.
4h30
